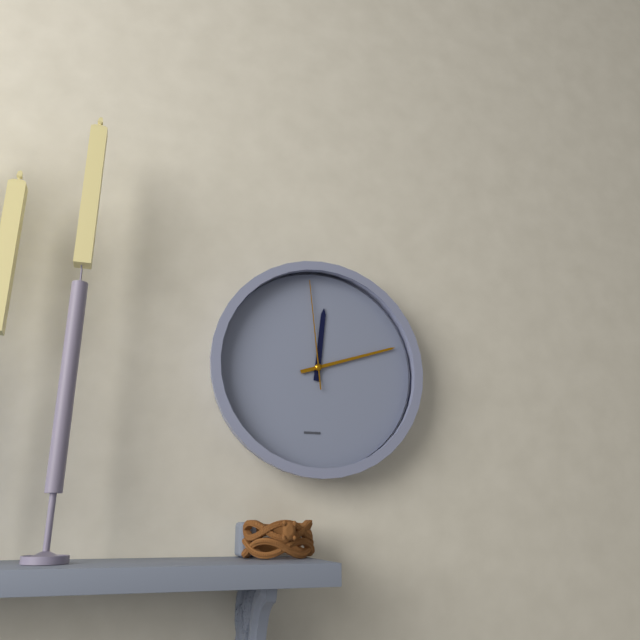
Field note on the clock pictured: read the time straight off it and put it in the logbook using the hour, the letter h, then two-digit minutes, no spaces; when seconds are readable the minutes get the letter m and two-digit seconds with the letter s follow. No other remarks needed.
12h12m59s
